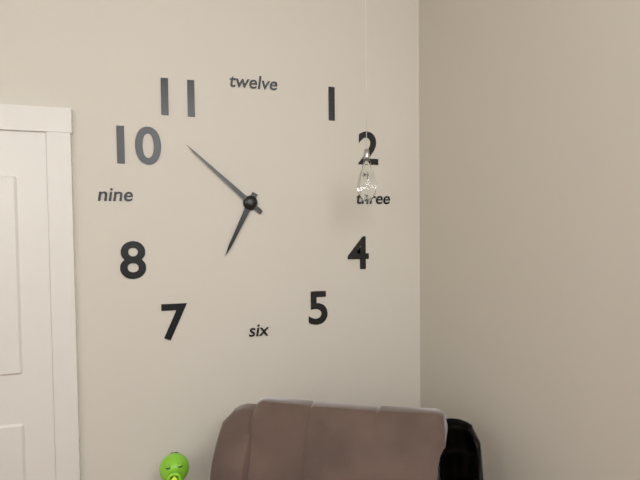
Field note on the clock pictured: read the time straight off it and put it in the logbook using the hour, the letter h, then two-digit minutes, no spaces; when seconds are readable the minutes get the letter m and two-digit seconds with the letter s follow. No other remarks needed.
6h52
